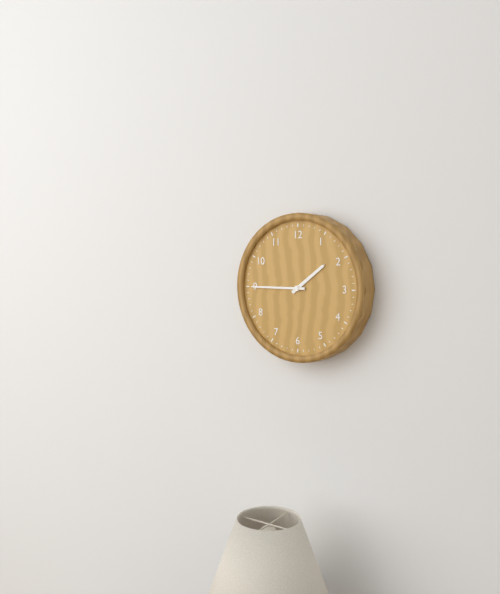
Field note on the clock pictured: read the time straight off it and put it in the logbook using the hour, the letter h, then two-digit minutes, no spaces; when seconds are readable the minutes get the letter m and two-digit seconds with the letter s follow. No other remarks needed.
1h45
